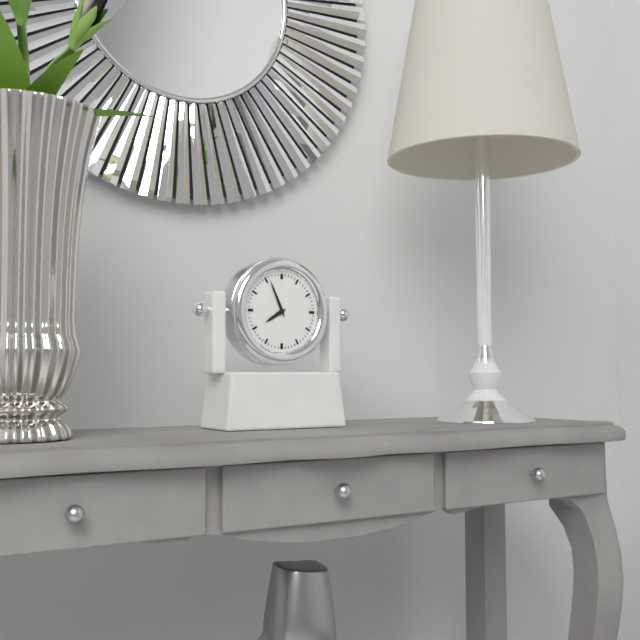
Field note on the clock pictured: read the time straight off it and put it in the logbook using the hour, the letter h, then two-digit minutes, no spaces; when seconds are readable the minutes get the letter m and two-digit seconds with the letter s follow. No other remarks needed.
7h56
